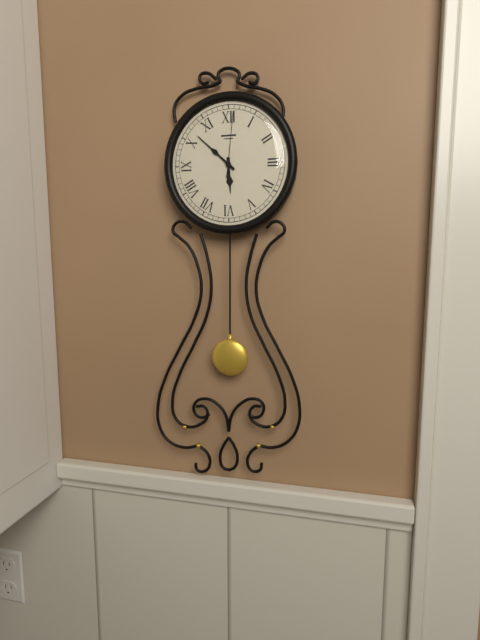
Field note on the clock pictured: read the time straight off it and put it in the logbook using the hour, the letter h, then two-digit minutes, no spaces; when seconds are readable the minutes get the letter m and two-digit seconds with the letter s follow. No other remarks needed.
5h52m01s
